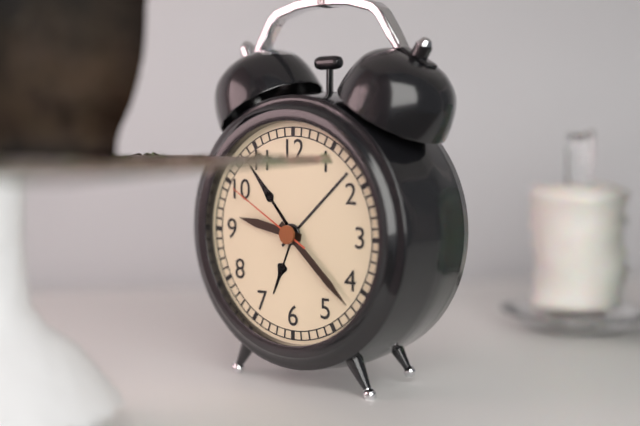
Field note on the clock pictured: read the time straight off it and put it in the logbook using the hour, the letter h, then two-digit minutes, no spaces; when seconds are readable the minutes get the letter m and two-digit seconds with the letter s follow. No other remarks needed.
9h22m50s
